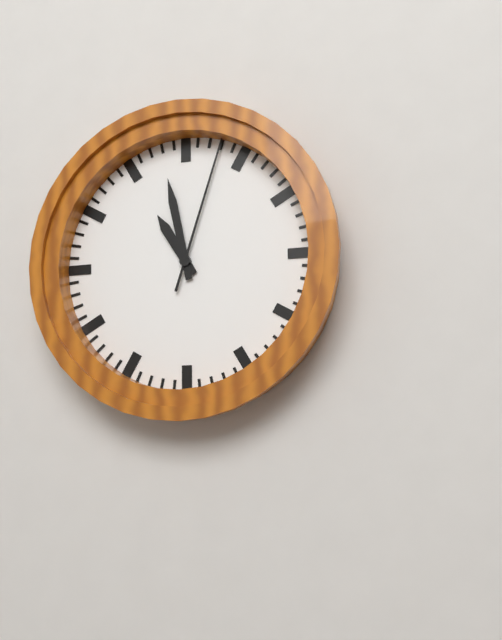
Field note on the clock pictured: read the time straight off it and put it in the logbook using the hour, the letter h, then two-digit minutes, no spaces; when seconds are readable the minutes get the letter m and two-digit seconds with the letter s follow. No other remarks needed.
10h58m03s
